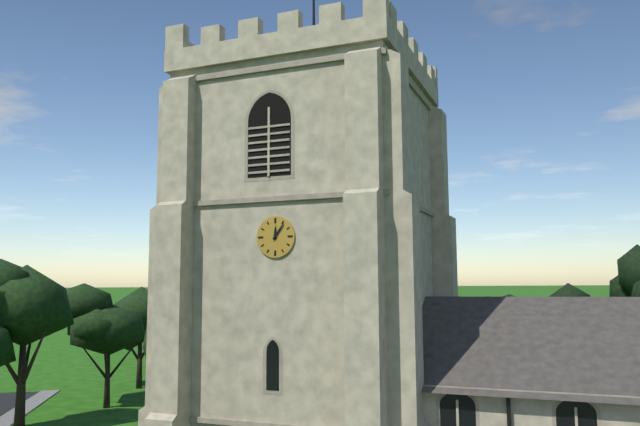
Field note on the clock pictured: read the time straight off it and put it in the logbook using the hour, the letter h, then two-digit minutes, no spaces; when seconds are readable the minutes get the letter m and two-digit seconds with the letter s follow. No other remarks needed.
12h06
